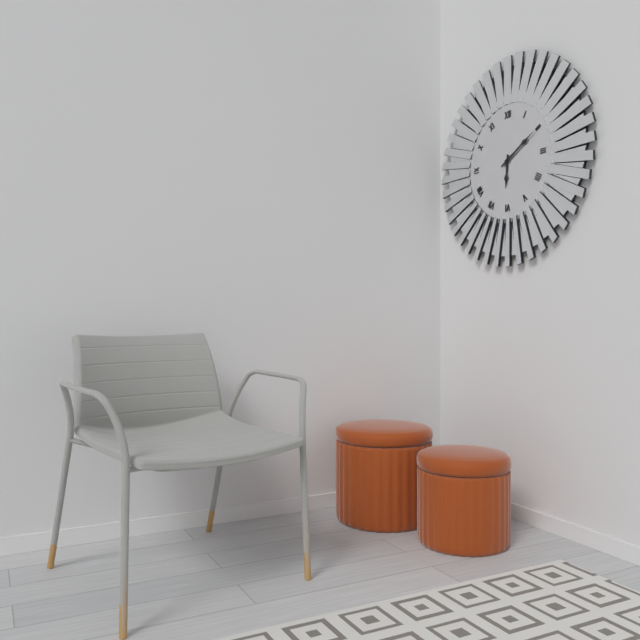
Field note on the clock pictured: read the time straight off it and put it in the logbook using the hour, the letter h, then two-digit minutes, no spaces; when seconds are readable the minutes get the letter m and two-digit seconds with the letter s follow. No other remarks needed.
6h10
